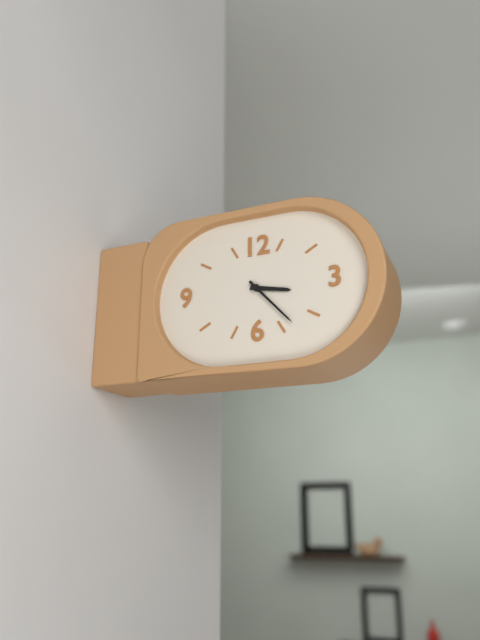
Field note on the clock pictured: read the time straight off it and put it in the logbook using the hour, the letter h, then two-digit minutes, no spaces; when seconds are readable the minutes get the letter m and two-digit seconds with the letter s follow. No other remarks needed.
3h23
